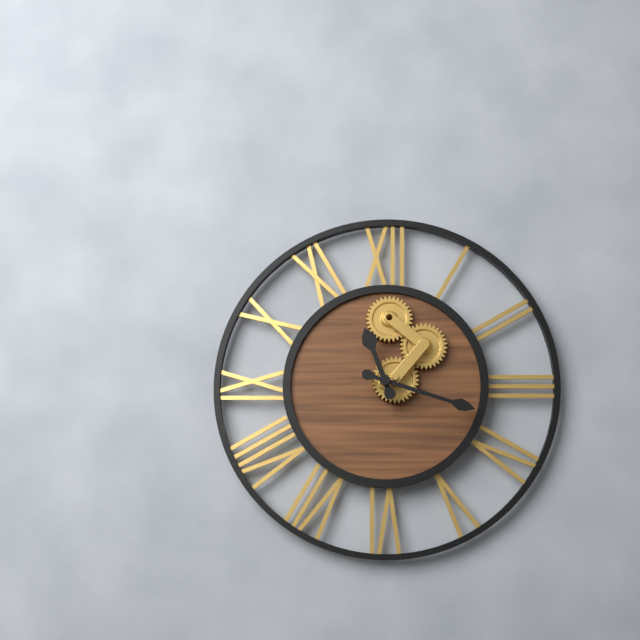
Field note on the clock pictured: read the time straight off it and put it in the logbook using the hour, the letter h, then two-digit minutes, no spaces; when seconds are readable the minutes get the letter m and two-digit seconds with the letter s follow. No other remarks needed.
11h18
